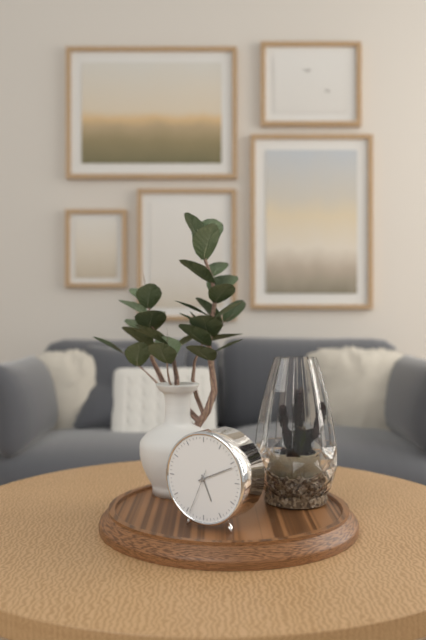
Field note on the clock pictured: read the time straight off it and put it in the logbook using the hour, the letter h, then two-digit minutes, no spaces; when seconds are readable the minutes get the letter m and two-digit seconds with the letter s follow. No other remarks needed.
5h11
